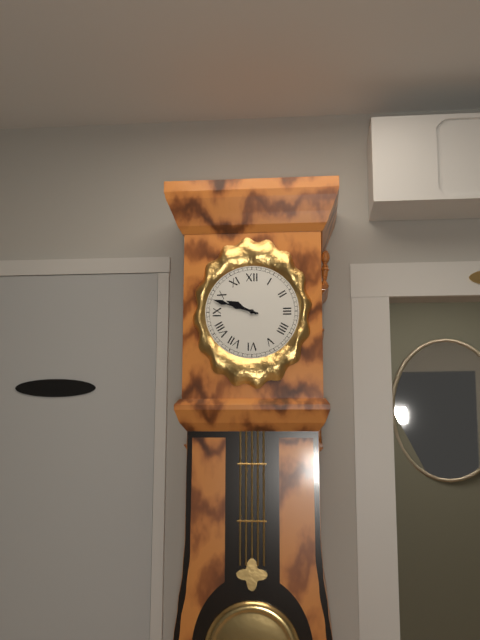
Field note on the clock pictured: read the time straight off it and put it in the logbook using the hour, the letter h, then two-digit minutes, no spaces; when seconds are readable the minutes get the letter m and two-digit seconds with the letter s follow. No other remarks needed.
9h48
